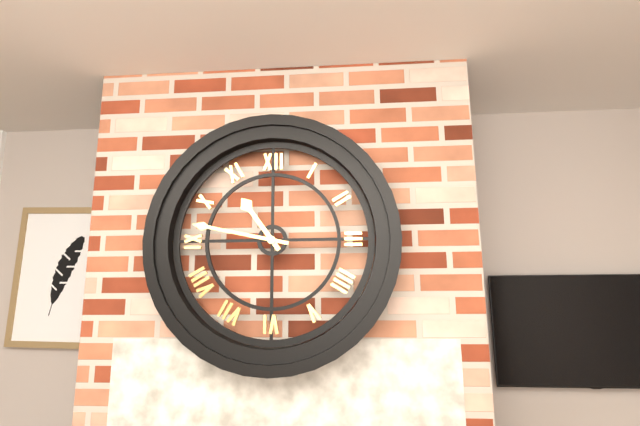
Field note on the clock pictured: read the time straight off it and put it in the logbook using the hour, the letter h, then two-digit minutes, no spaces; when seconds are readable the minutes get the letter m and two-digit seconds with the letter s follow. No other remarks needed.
10h47
